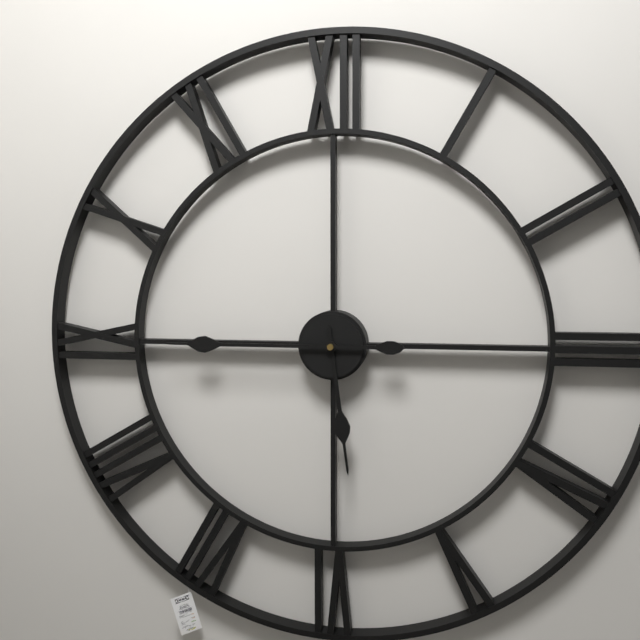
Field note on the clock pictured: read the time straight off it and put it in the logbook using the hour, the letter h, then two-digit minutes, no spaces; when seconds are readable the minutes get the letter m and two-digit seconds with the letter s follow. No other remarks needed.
5h45
